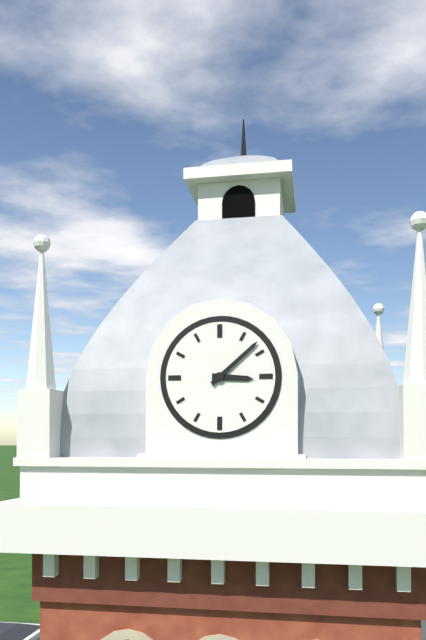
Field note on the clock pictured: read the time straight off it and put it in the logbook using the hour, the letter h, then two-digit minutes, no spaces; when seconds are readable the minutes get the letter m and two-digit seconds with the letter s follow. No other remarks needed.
3h08
